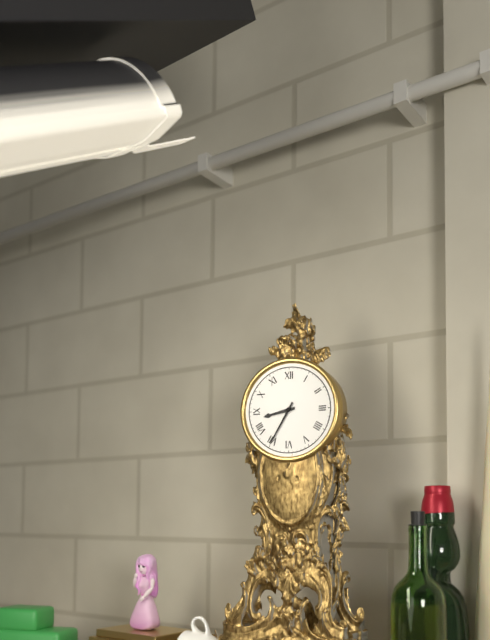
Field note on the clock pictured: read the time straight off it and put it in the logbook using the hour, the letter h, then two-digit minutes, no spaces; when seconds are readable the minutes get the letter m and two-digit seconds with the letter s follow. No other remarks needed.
8h35
